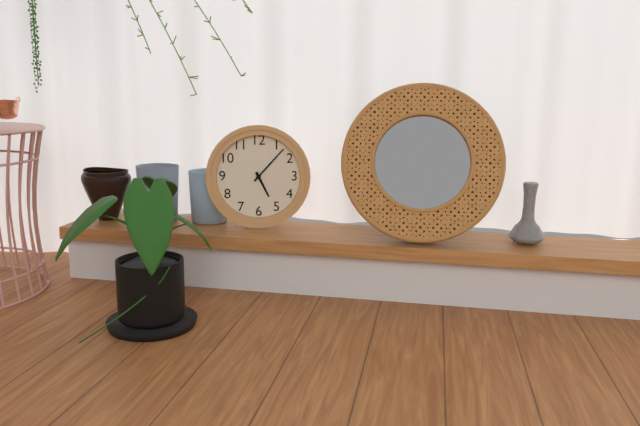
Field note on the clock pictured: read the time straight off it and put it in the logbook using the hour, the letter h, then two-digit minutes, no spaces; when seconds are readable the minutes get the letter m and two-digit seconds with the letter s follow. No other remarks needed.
5h07
